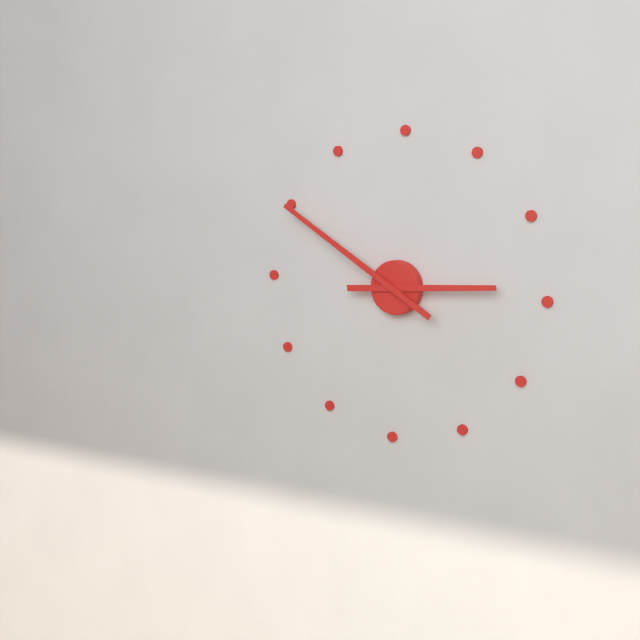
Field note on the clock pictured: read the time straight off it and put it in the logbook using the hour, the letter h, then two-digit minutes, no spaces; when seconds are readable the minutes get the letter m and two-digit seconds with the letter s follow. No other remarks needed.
2h50
